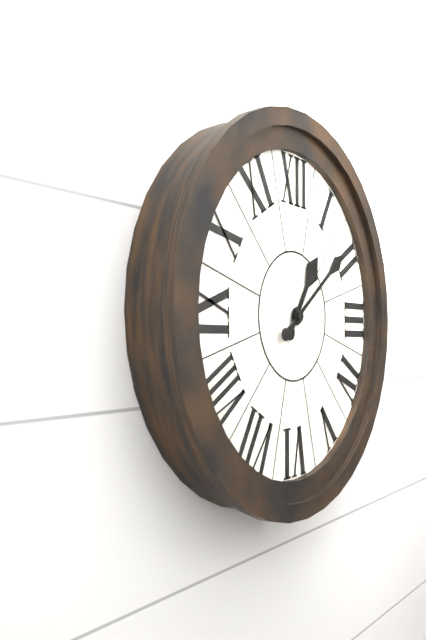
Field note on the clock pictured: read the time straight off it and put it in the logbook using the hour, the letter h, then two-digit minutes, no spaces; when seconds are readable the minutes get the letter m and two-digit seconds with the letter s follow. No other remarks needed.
1h09
